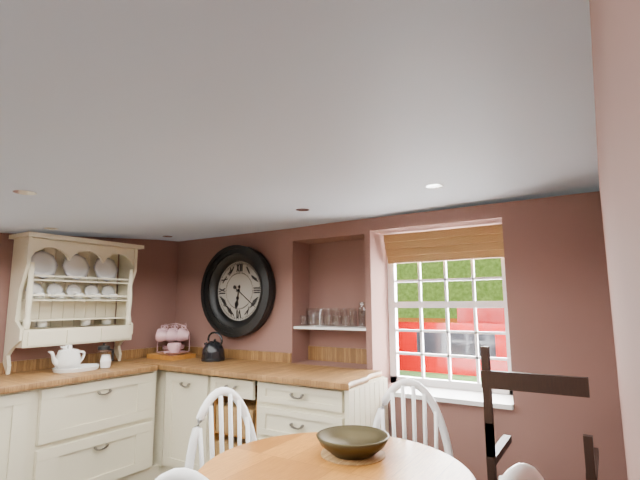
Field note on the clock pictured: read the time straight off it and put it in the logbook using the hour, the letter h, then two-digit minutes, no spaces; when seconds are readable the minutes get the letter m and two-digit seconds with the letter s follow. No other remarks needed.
6h21
